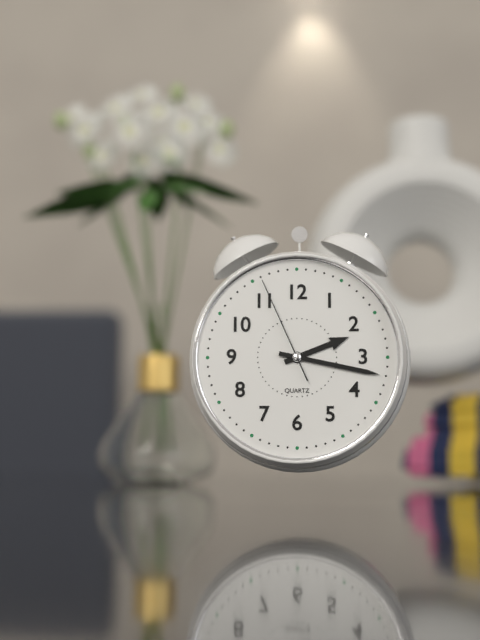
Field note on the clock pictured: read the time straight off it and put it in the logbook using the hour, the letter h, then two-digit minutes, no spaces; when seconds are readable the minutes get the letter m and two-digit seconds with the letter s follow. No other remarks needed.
2h17m56s
